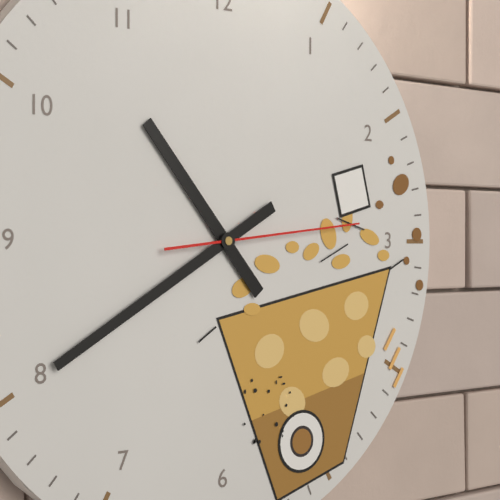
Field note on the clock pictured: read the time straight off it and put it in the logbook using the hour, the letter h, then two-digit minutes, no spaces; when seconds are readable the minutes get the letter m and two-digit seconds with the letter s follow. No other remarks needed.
10h40m14s
